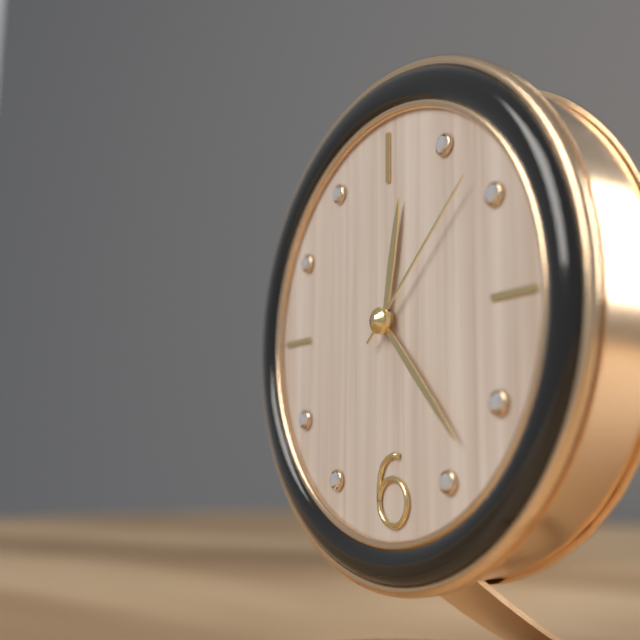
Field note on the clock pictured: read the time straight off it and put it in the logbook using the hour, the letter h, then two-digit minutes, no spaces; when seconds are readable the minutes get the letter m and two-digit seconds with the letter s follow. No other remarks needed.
12h23m08s
